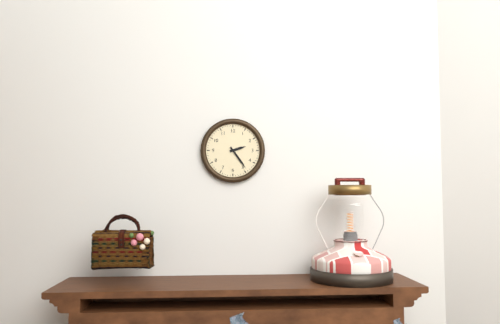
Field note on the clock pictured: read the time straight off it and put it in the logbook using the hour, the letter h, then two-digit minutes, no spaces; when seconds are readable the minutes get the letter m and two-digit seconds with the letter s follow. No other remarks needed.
2h24
